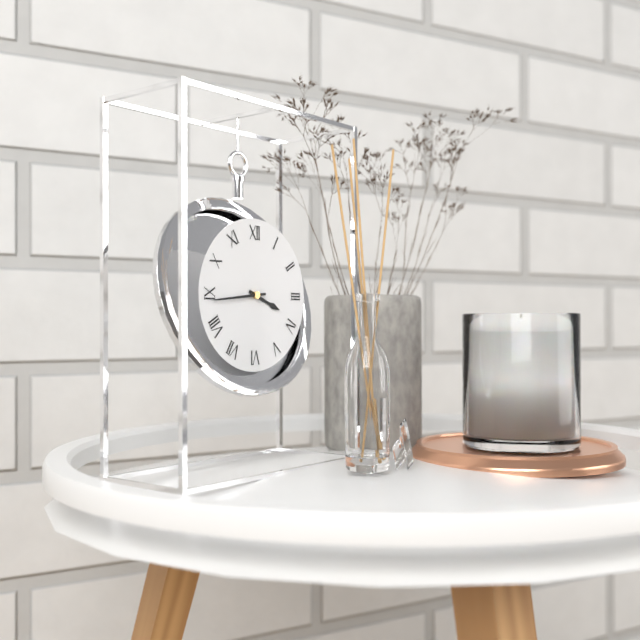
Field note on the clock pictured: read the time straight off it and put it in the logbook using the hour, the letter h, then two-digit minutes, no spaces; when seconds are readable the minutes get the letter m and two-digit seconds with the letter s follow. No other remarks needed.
3h44
